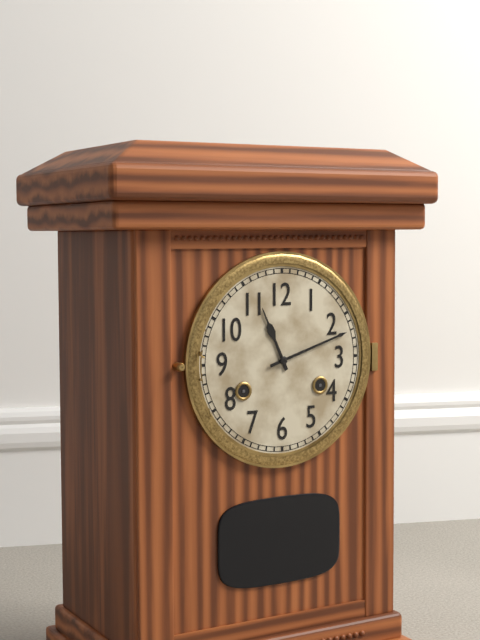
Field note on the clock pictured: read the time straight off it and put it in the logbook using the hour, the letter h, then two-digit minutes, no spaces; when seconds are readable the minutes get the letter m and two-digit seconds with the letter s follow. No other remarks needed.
11h12
